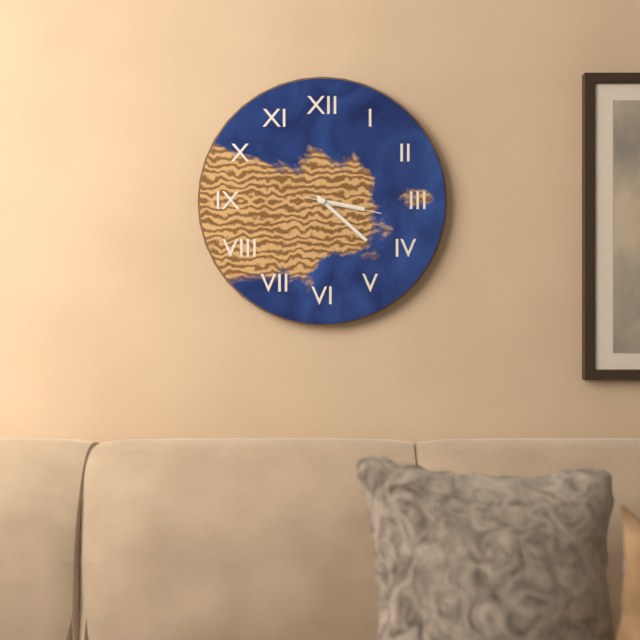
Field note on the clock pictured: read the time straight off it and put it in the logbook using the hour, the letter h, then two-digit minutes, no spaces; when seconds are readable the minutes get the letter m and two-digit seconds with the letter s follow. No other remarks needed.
3h22m17s
